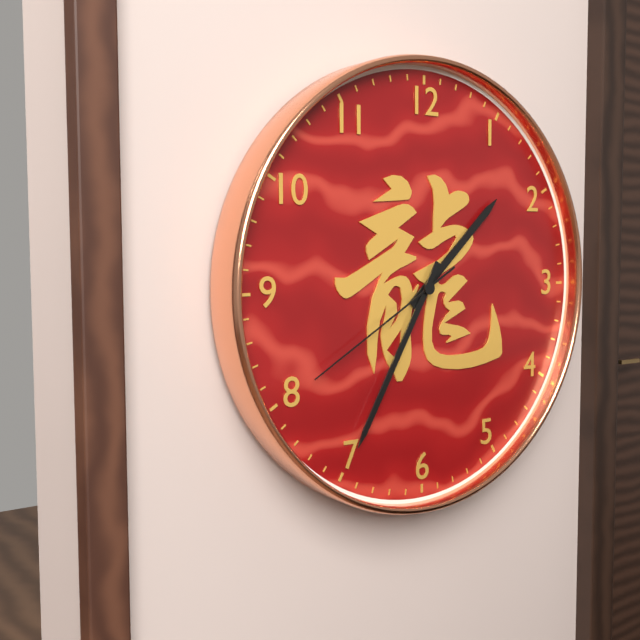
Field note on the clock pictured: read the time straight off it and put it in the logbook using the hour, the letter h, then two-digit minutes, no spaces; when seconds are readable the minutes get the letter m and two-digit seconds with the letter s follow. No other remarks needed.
1h35m40s
